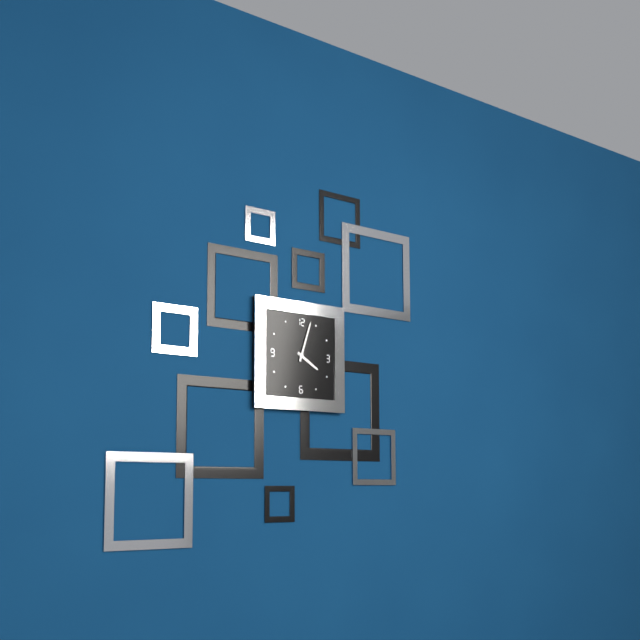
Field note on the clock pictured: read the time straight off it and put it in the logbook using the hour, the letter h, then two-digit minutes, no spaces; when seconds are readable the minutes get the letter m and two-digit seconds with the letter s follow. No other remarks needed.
4h03
